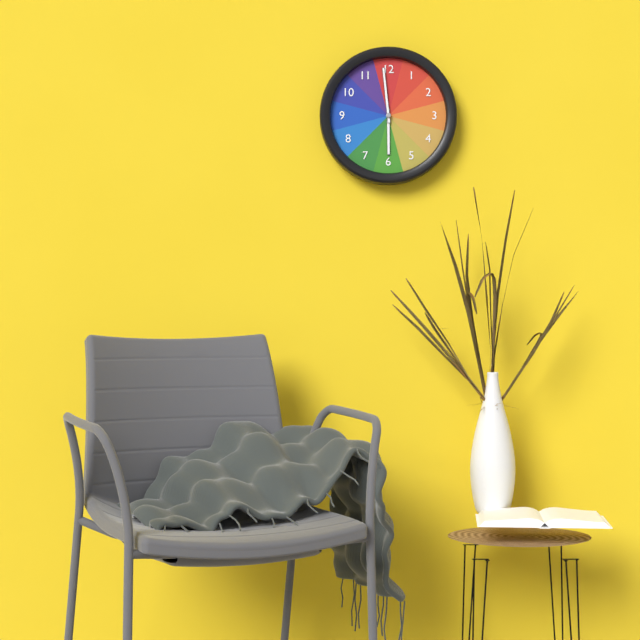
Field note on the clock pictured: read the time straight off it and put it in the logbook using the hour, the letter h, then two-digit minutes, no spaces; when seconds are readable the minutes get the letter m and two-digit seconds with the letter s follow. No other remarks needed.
5h59
